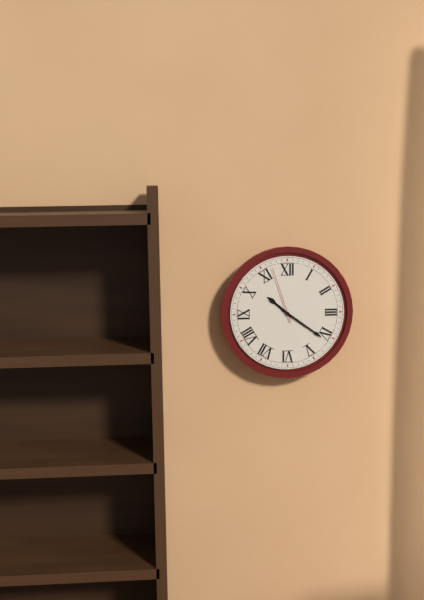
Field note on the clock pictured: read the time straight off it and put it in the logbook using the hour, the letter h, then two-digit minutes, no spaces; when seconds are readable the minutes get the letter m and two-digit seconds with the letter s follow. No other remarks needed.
10h21m57s
